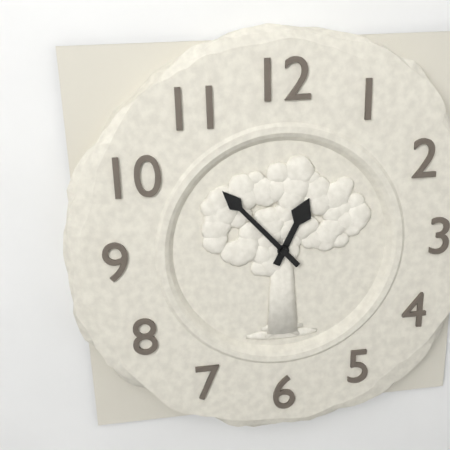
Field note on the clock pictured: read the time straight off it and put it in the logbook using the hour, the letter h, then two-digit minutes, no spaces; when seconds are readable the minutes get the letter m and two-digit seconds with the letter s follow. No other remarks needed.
12h53
